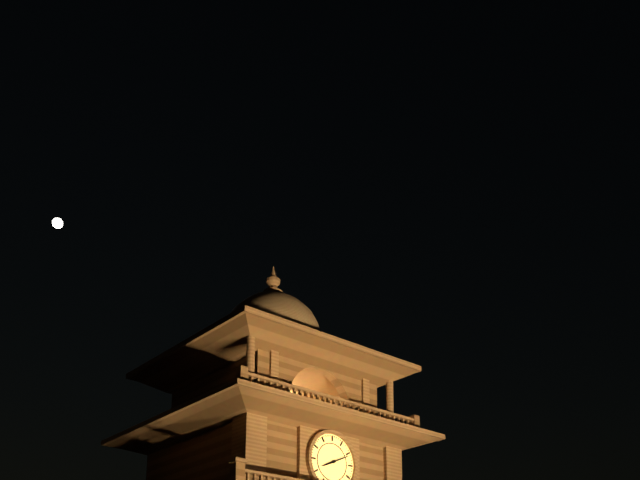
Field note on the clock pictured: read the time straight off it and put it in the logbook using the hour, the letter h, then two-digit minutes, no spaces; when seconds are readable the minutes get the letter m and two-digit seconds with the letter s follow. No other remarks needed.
8h11
